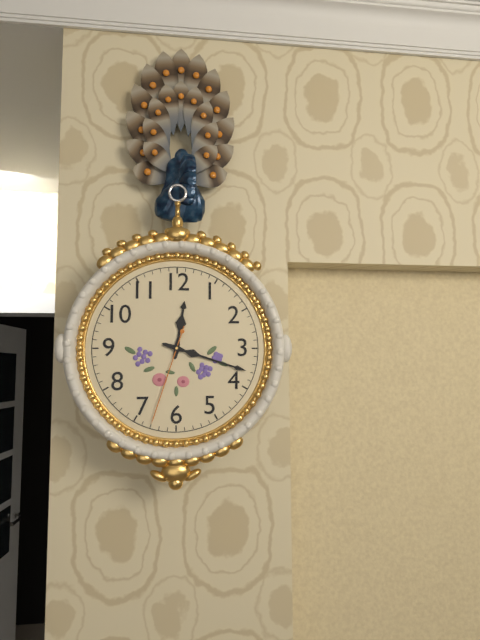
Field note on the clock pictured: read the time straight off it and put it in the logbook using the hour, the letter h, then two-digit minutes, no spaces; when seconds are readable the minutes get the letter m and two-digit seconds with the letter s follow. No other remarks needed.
12h18m33s
